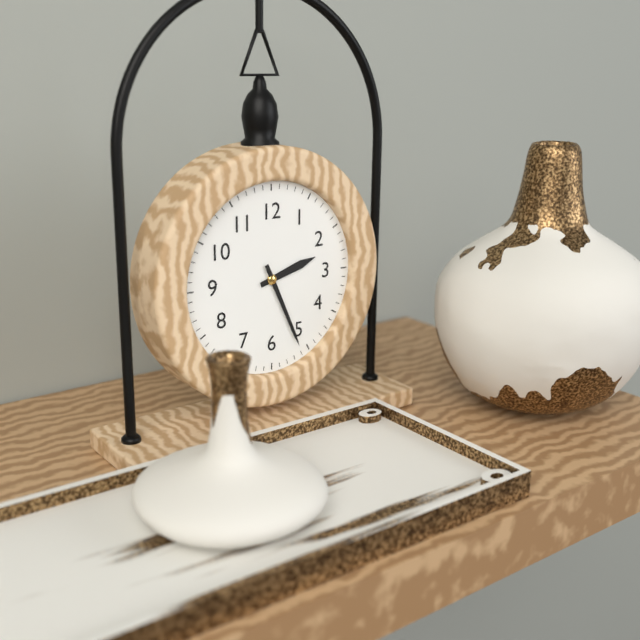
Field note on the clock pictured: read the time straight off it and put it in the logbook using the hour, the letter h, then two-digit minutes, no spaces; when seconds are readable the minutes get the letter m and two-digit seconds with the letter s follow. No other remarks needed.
2h26
